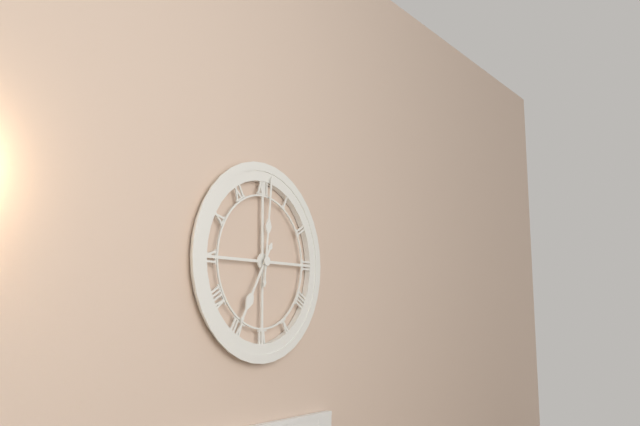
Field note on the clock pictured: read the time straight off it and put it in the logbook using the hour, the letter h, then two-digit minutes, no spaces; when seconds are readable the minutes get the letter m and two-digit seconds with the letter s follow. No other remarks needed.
7h01
